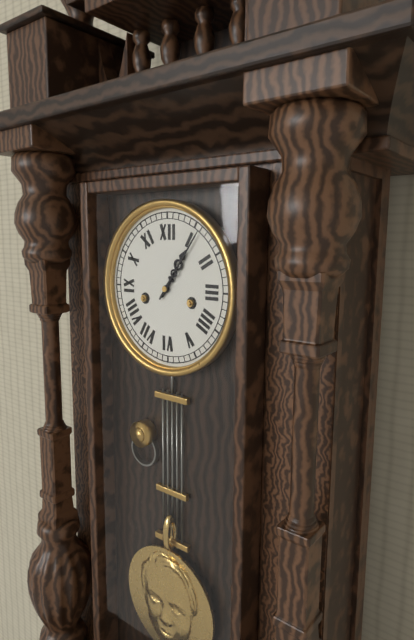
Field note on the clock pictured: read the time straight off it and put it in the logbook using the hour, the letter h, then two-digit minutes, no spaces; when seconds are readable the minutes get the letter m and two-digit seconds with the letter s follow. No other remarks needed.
1h06
